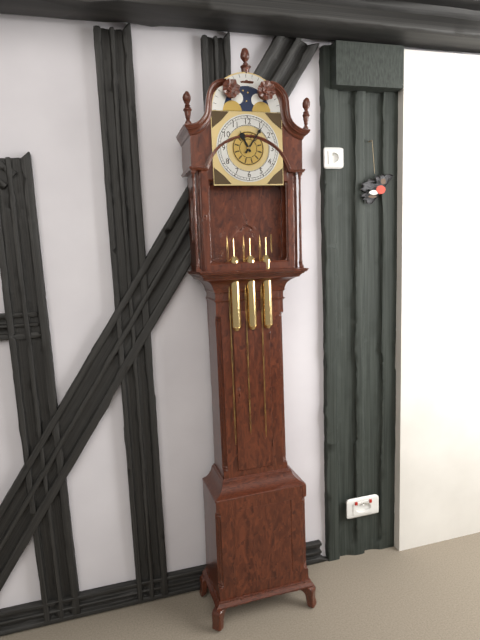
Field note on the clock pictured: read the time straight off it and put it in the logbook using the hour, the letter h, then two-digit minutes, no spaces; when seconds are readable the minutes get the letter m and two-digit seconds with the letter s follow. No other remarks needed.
11h06
